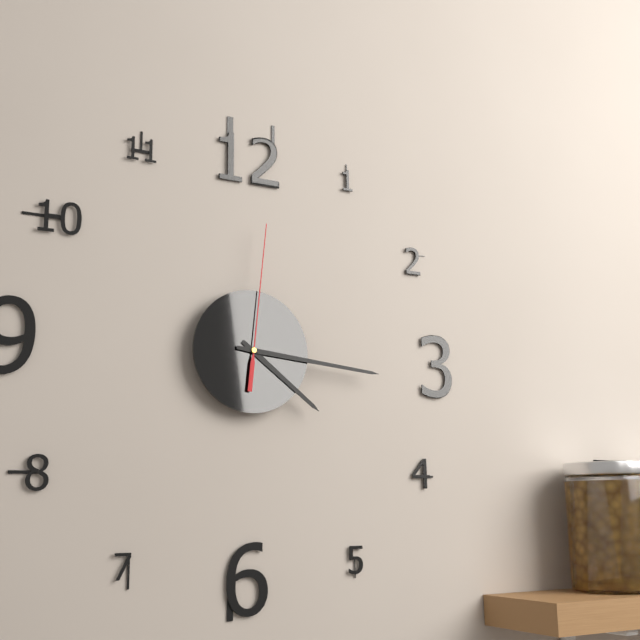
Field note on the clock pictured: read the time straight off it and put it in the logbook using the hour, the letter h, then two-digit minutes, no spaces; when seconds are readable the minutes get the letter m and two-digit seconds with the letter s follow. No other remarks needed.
4h16m01s
